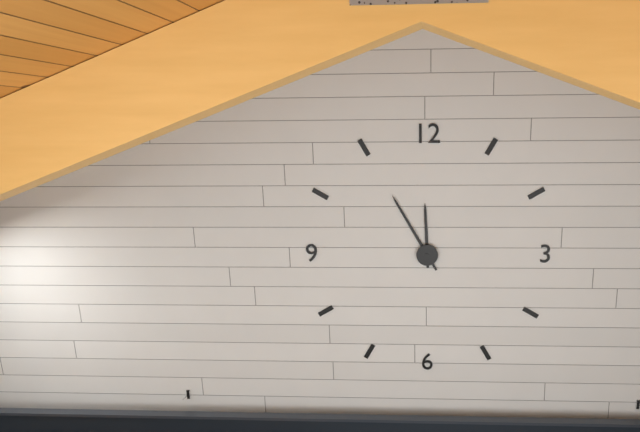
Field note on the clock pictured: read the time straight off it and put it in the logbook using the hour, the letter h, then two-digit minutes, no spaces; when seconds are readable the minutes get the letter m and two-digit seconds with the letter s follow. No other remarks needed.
11h55
